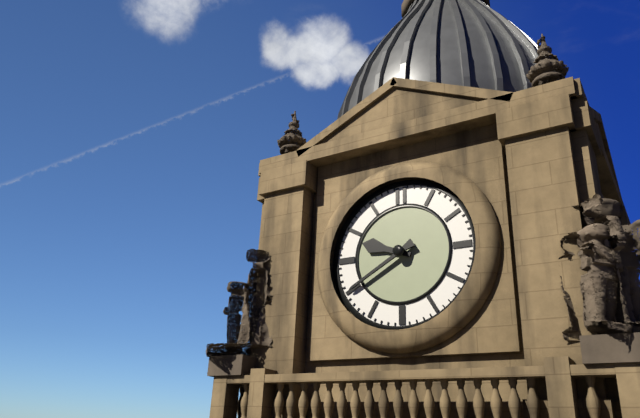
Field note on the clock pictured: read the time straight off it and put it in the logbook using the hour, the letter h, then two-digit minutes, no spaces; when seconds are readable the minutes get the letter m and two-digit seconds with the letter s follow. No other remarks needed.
9h40
